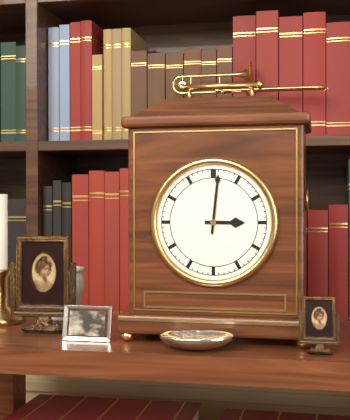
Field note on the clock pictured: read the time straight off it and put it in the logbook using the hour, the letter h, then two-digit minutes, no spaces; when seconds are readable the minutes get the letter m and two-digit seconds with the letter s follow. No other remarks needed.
3h01
